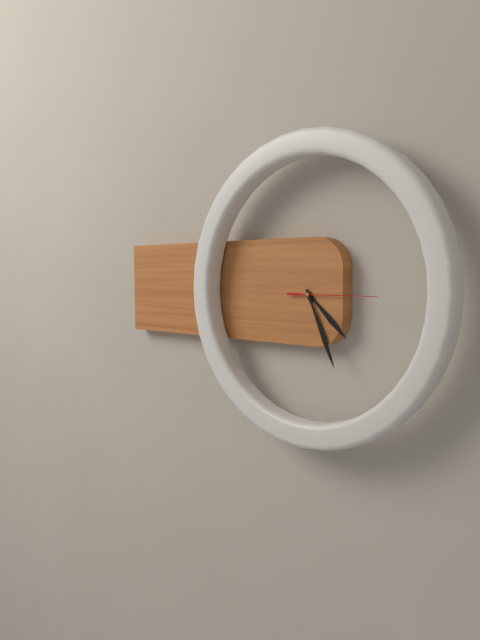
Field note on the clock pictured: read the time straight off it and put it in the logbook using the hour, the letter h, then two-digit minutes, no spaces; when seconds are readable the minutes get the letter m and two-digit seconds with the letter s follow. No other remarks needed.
4h26m15s
